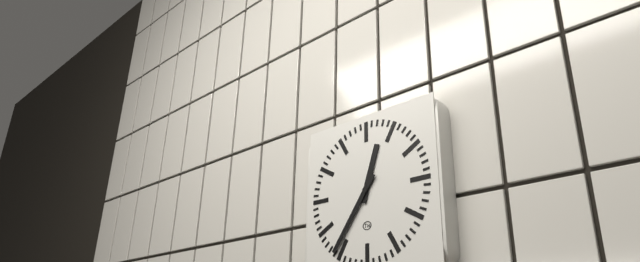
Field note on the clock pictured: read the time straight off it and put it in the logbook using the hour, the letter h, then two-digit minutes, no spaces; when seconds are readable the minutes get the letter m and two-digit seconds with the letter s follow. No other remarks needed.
12h36
